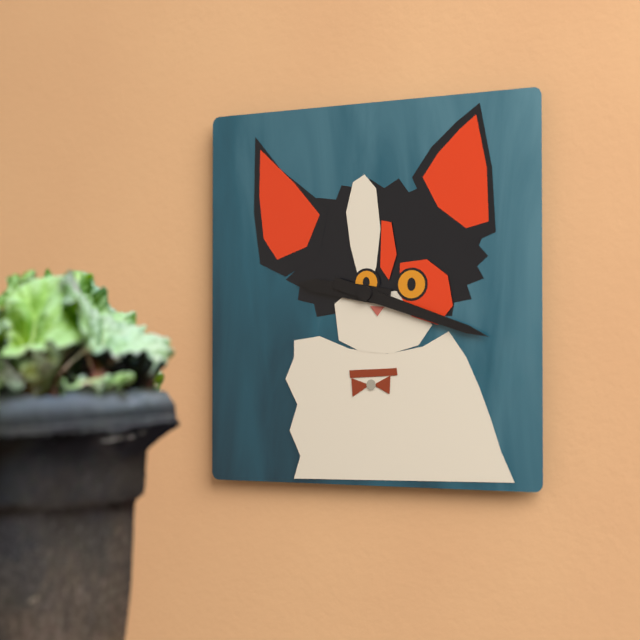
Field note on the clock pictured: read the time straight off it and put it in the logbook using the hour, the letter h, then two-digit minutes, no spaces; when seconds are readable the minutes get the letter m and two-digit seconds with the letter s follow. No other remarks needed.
9h18
